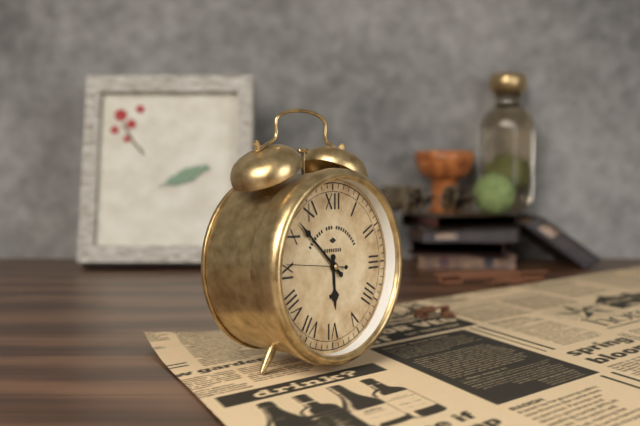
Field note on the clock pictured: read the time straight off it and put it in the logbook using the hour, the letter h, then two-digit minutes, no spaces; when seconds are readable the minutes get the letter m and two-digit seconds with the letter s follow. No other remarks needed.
5h52m46s
